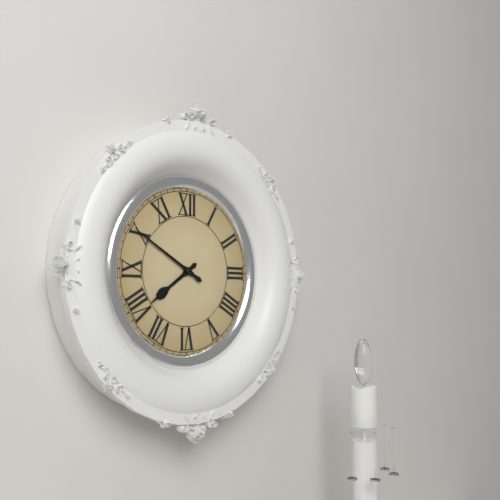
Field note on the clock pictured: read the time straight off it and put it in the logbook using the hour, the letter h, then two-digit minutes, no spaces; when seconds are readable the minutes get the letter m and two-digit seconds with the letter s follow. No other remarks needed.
7h50
